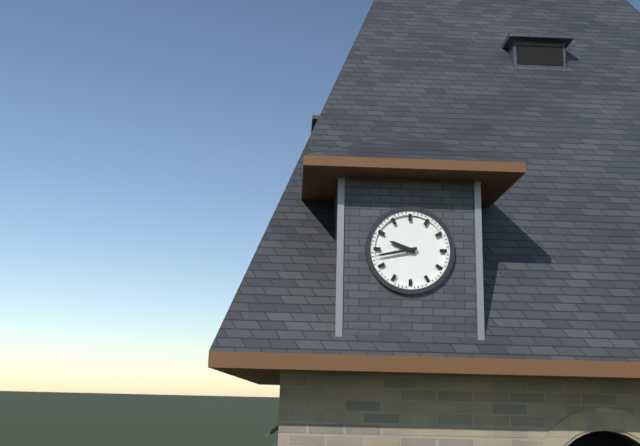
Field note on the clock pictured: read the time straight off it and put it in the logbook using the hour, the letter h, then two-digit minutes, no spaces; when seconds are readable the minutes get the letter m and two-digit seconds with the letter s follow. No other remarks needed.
9h43
